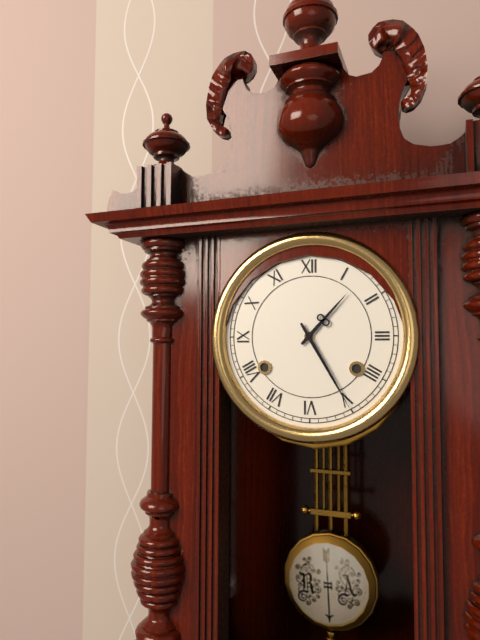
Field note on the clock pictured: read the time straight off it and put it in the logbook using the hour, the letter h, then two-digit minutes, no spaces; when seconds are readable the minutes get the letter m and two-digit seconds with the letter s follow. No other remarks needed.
1h25
